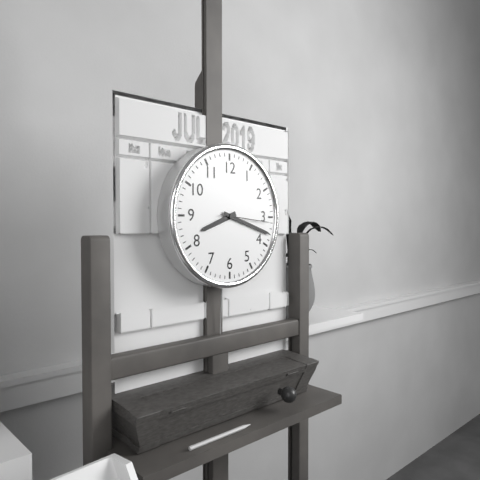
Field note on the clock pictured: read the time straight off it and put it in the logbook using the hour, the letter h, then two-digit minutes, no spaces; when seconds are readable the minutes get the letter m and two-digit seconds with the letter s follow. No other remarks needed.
8h18m16s
